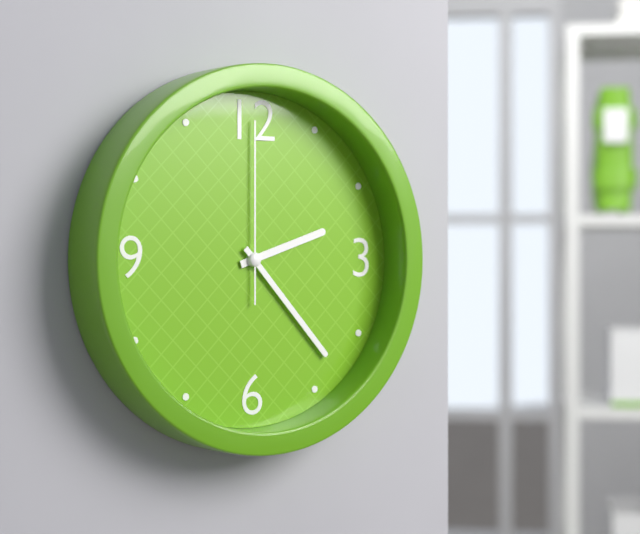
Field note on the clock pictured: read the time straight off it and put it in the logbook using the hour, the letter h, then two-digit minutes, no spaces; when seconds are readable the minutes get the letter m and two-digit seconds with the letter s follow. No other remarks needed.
2h23m00s
